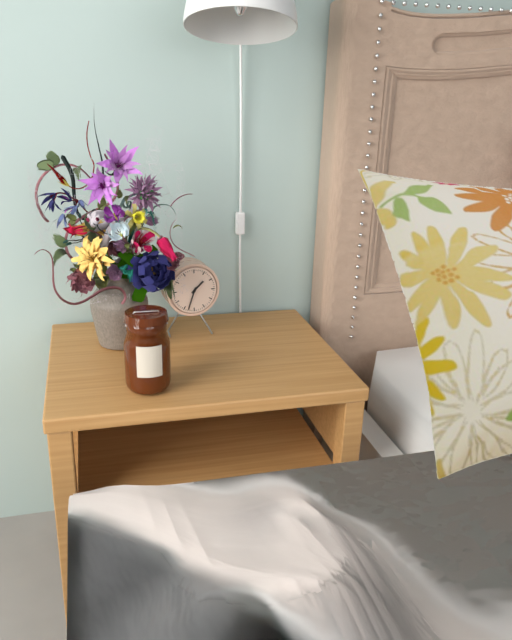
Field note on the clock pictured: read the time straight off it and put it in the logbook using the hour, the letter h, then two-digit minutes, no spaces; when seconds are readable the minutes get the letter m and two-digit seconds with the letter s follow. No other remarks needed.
1h33
